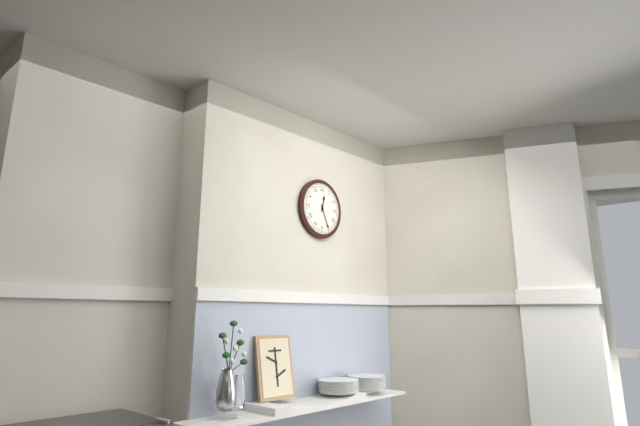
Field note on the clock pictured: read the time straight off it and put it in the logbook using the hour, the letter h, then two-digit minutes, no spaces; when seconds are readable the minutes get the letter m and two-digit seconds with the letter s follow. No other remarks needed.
12h26
